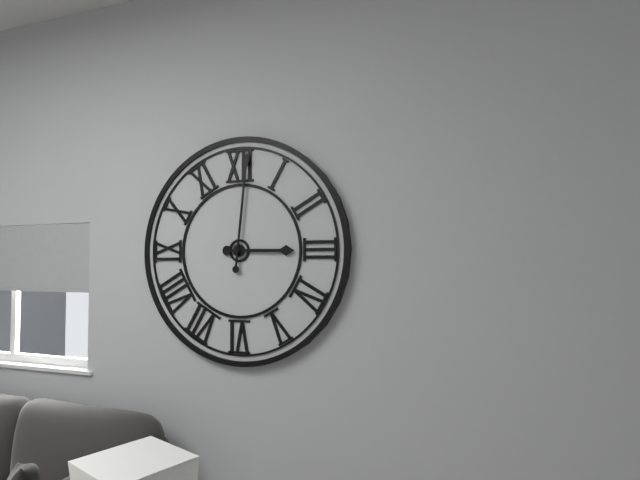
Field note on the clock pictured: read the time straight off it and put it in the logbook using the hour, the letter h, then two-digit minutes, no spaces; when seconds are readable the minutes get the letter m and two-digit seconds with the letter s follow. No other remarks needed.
3h01
